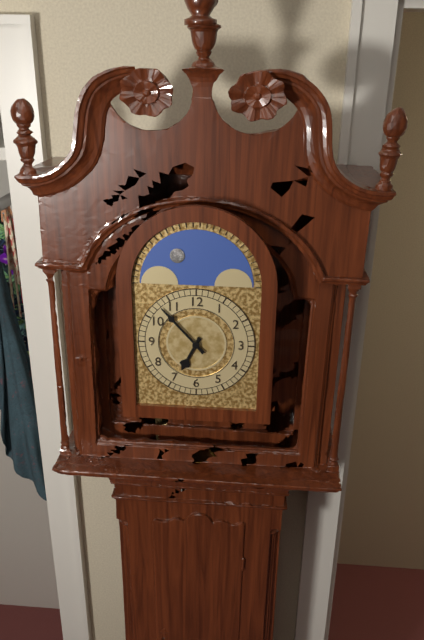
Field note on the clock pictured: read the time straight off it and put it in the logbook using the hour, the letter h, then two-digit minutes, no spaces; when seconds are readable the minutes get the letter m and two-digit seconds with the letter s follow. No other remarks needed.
6h53
